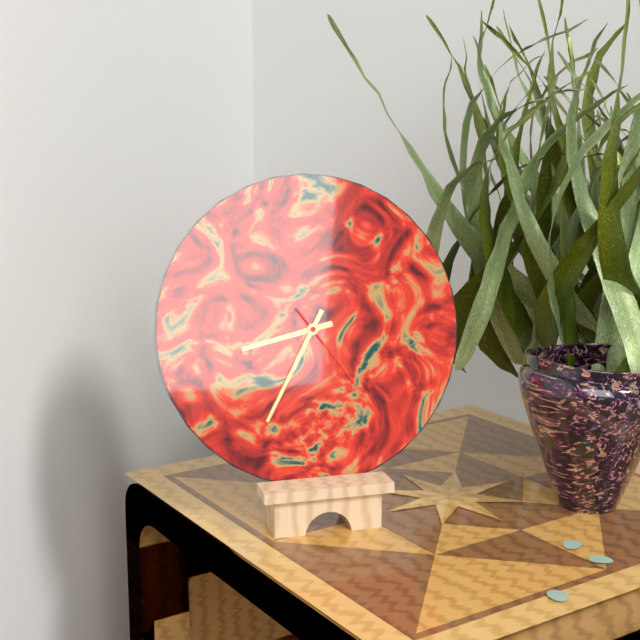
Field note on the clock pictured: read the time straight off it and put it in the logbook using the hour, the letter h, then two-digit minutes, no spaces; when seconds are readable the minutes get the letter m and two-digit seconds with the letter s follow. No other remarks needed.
8h35m24s
